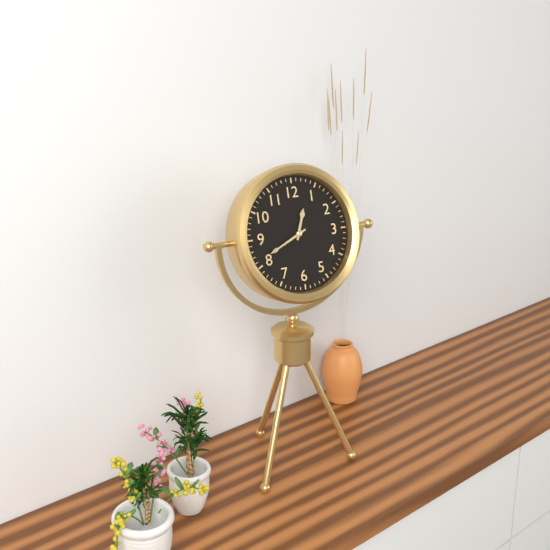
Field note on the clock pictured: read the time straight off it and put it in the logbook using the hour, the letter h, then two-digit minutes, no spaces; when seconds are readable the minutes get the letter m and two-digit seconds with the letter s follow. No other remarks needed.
12h41
